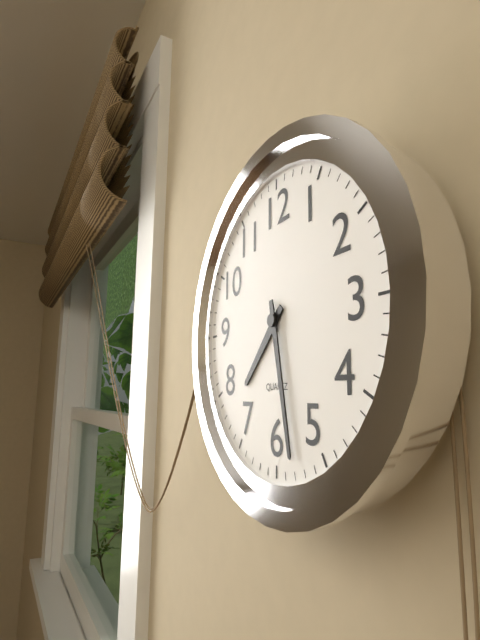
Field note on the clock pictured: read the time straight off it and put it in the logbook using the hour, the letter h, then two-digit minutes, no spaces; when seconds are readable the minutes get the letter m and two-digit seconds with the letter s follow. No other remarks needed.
7h28
